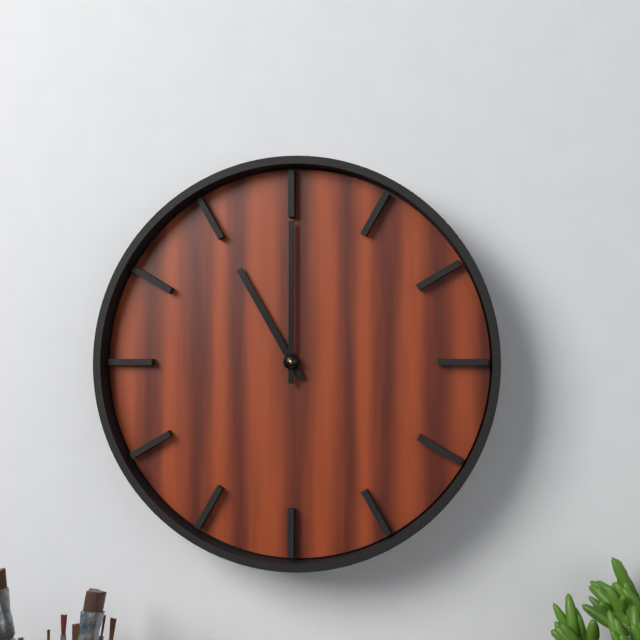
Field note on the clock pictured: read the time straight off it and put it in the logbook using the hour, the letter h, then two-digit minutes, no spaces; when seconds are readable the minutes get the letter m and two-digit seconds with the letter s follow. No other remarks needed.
11h00
